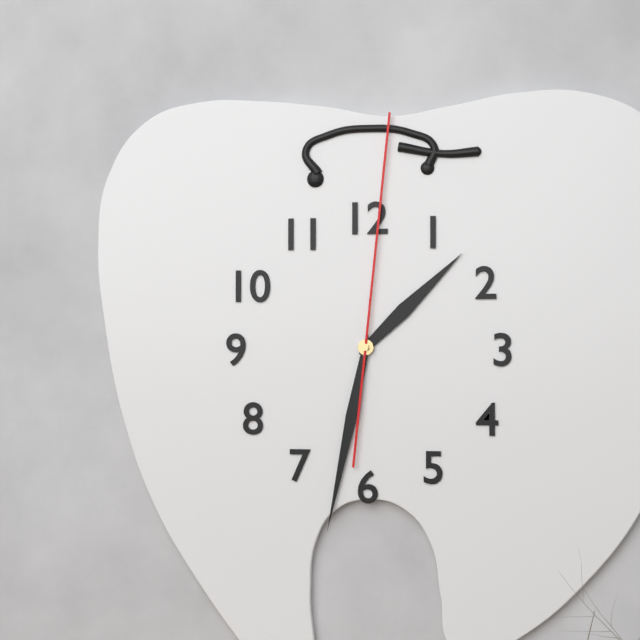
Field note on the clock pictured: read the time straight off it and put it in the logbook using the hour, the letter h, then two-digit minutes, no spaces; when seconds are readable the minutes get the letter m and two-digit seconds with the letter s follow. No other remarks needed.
1h32m01s
